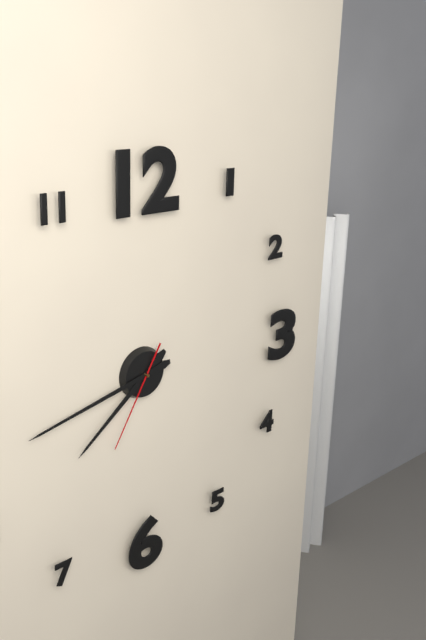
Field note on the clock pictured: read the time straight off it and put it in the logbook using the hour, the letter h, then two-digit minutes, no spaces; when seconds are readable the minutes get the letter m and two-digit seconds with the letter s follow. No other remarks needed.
7h43m35s
